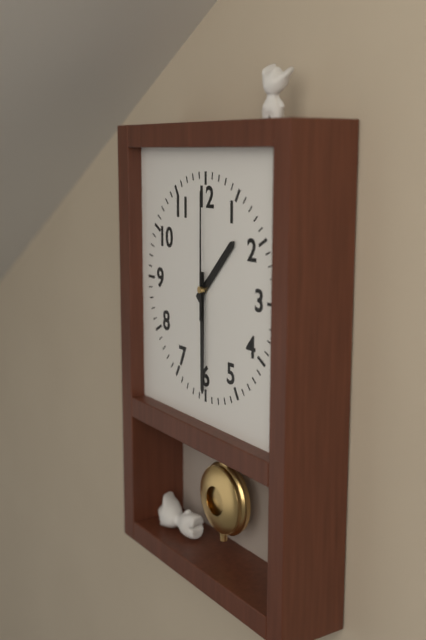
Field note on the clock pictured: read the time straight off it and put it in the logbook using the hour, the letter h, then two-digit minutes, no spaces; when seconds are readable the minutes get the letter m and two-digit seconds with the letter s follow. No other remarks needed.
1h30m00s
